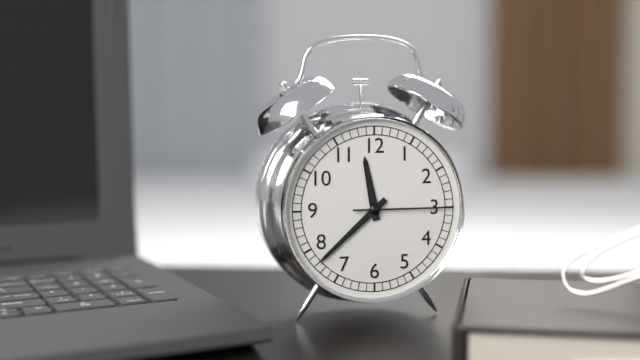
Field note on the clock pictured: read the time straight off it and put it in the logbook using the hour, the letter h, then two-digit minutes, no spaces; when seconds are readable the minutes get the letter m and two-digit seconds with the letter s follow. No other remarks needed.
11h38m15s
